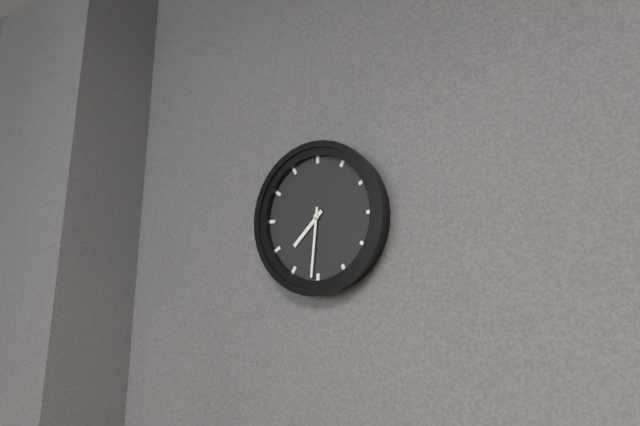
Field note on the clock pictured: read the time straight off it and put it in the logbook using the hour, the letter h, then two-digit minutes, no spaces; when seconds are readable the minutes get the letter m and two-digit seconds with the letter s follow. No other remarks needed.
7h31
